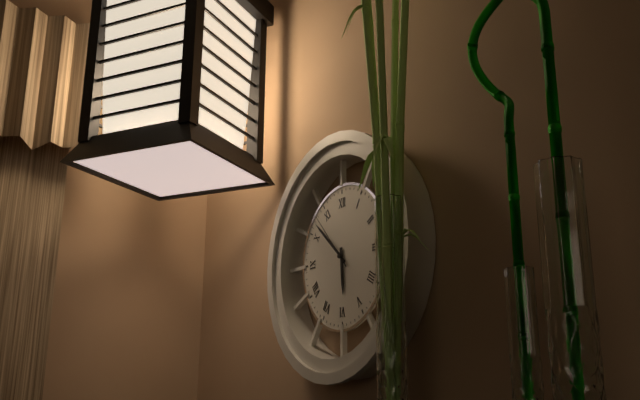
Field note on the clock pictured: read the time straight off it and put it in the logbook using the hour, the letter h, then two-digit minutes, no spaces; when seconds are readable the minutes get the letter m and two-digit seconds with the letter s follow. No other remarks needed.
5h52m53s
